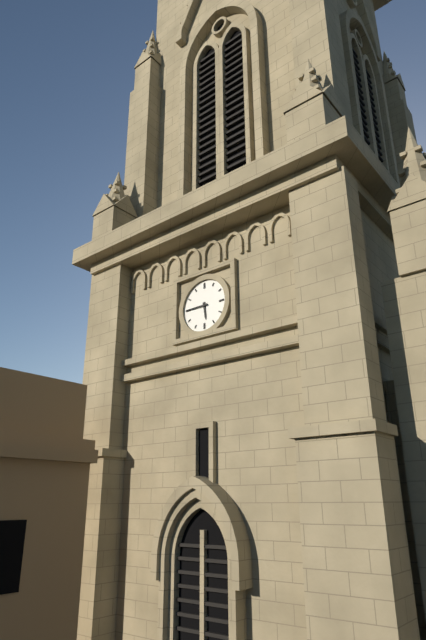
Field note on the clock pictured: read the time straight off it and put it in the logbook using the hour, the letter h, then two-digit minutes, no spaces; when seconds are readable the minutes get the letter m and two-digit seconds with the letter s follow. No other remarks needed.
5h45
